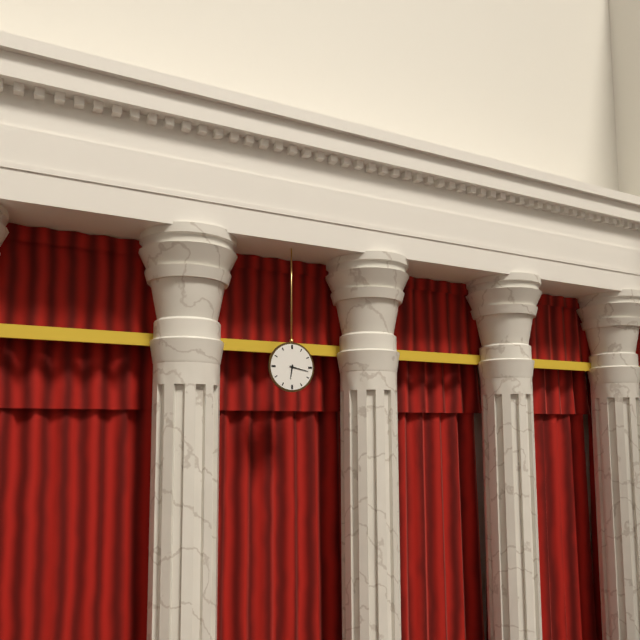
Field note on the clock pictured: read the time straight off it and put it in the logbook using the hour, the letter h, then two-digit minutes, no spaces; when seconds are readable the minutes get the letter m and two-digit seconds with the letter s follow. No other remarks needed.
6h17
